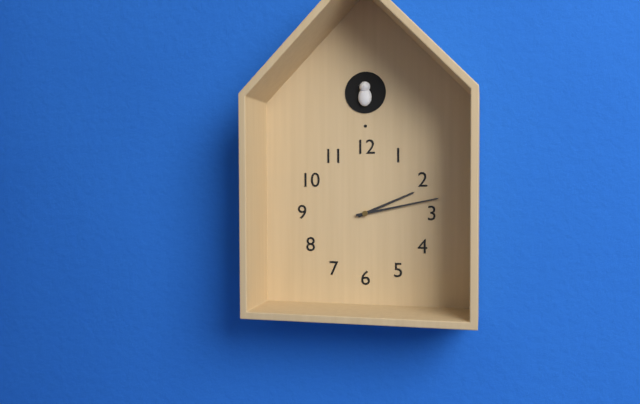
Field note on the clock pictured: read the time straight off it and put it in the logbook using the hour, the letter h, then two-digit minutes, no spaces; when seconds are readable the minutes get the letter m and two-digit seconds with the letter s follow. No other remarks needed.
2h13
